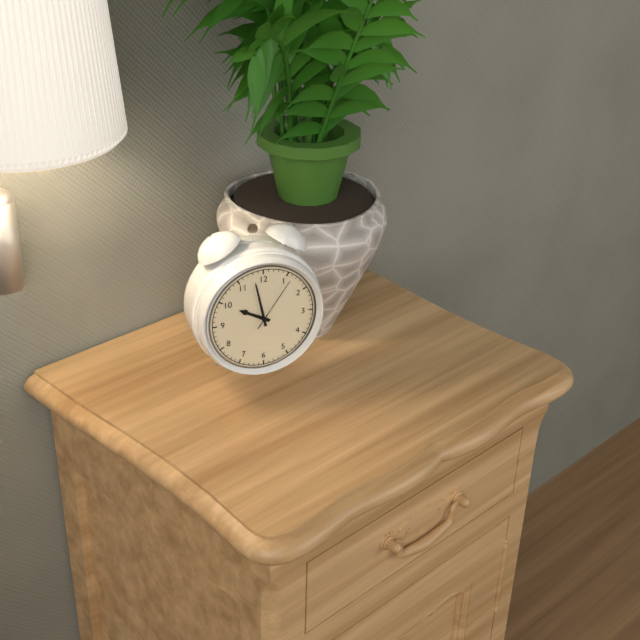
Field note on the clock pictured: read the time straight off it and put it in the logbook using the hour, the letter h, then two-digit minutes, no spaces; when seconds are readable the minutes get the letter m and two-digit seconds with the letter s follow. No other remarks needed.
9h58m06s
